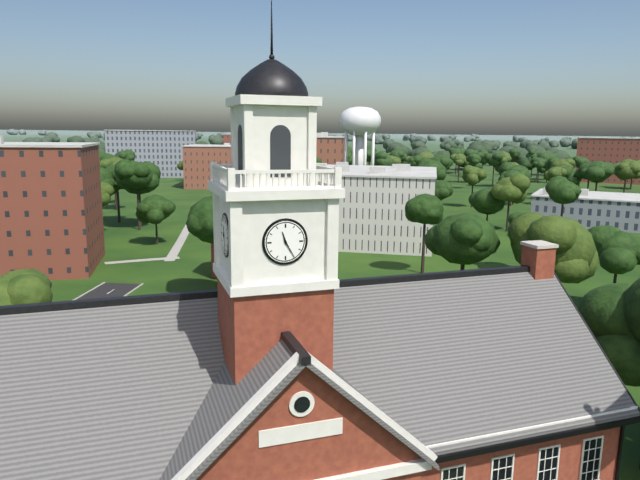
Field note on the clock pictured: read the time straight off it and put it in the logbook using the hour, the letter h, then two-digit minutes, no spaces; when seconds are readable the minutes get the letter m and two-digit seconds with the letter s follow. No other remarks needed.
11h25
